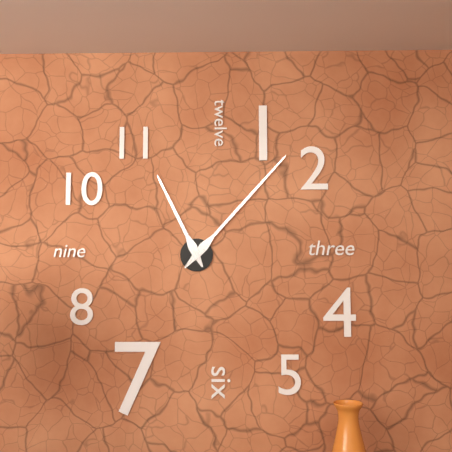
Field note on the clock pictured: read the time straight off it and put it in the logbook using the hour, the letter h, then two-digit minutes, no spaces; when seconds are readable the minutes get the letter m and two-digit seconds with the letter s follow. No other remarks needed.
11h07
